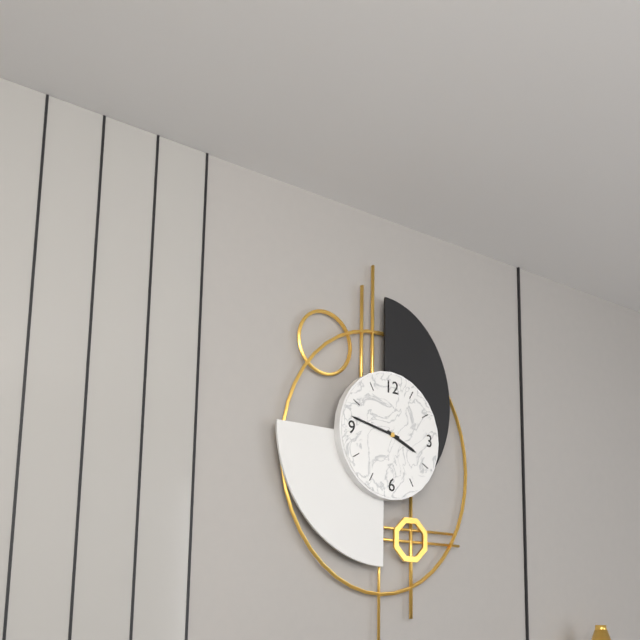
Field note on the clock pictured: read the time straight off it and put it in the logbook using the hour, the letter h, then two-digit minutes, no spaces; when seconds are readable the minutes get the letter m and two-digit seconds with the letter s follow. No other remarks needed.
3h47
